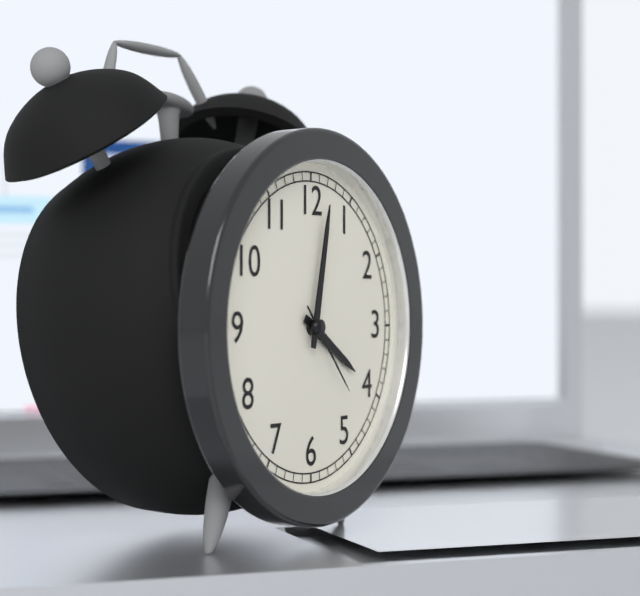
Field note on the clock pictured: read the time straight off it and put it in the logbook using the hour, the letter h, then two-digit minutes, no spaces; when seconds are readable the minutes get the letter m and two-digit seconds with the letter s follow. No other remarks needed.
4h02m23s
